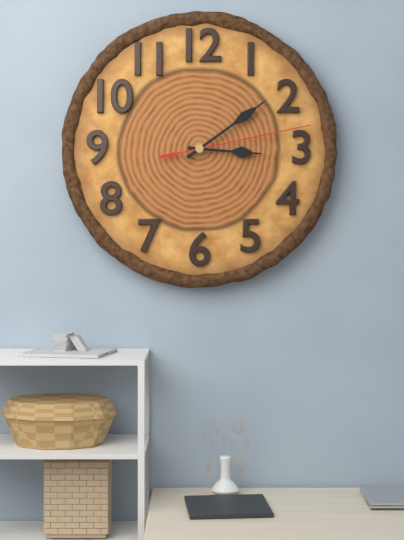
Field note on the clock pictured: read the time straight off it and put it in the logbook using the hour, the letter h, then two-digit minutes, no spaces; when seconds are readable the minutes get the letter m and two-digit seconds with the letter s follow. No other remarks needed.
3h09m13s
